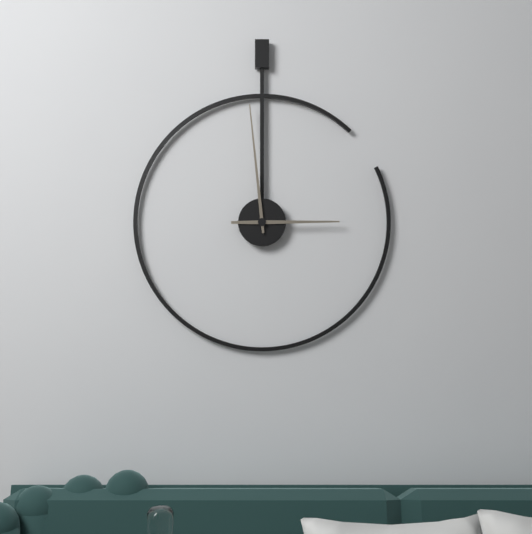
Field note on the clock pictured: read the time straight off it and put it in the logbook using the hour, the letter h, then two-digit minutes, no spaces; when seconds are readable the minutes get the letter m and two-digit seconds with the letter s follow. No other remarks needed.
2h59
